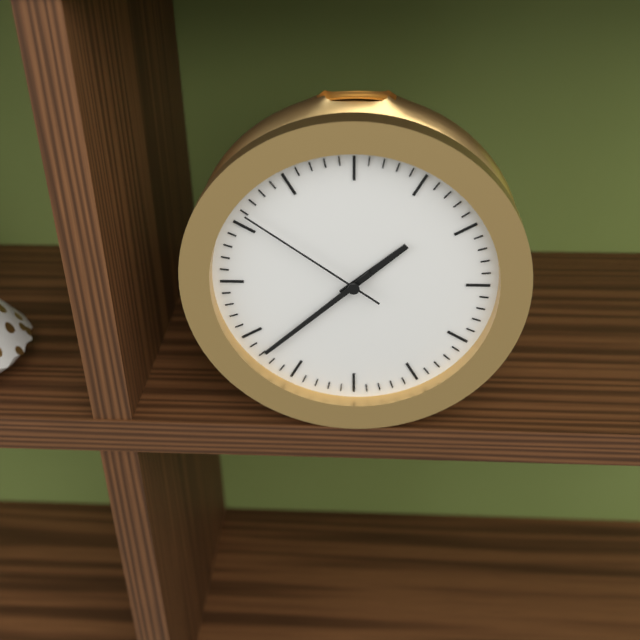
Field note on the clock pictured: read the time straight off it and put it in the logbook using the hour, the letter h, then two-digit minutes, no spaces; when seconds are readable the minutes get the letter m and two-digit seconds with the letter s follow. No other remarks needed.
1h38m51s
